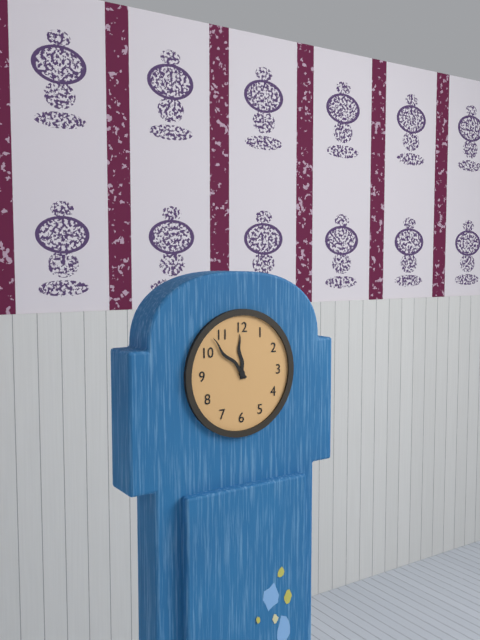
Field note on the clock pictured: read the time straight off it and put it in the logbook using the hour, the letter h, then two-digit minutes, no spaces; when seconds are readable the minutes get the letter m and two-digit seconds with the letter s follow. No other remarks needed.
11h53
